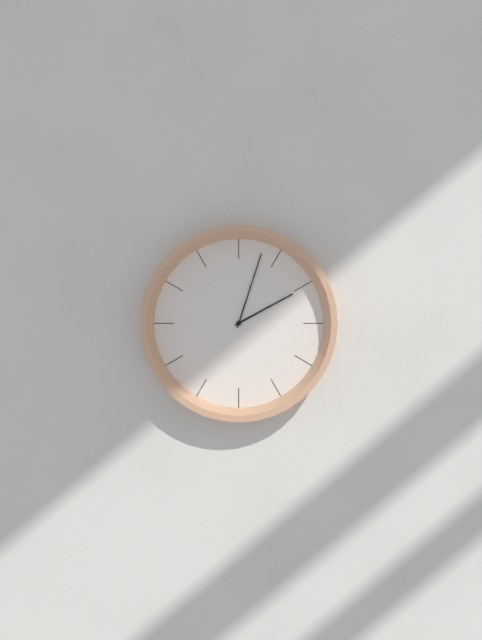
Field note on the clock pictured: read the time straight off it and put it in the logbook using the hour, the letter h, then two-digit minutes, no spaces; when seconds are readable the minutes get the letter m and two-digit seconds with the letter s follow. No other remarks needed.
2h03
